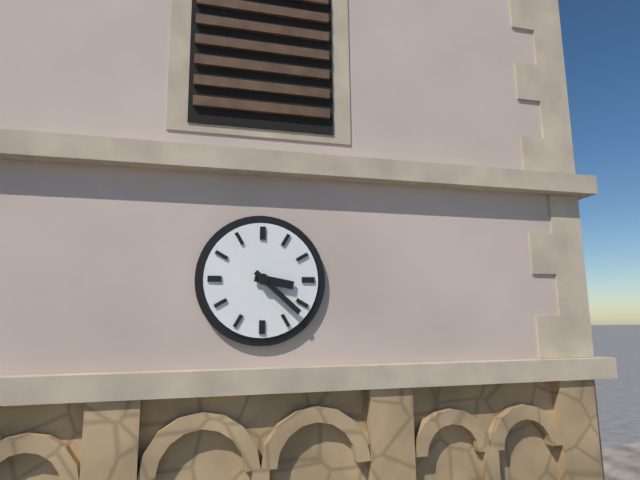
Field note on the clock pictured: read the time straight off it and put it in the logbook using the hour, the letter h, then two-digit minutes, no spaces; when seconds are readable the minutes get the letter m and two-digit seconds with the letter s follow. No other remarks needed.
3h22
